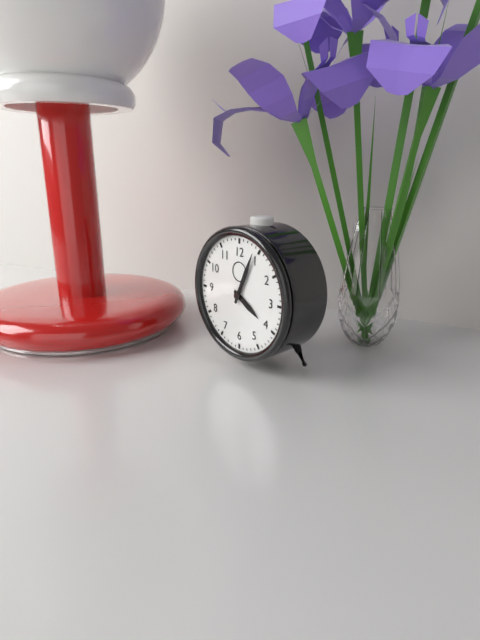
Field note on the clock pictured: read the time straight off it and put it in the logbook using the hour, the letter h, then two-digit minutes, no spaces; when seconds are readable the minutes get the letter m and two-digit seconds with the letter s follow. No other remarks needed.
4h04
